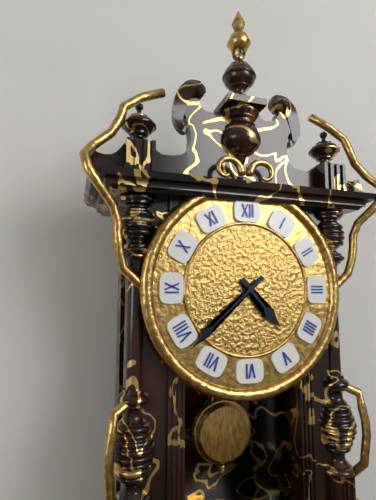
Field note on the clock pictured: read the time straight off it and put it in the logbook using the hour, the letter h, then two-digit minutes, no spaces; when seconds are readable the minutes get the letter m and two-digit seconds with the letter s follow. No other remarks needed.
4h38
